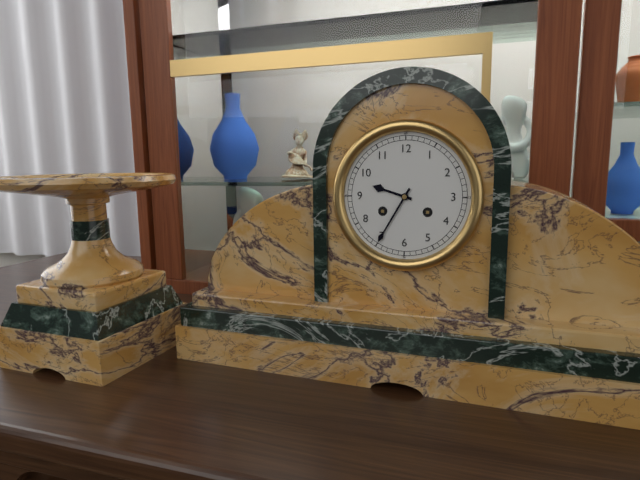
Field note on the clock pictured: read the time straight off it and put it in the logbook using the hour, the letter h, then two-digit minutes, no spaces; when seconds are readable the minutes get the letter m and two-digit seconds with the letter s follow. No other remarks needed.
9h35
